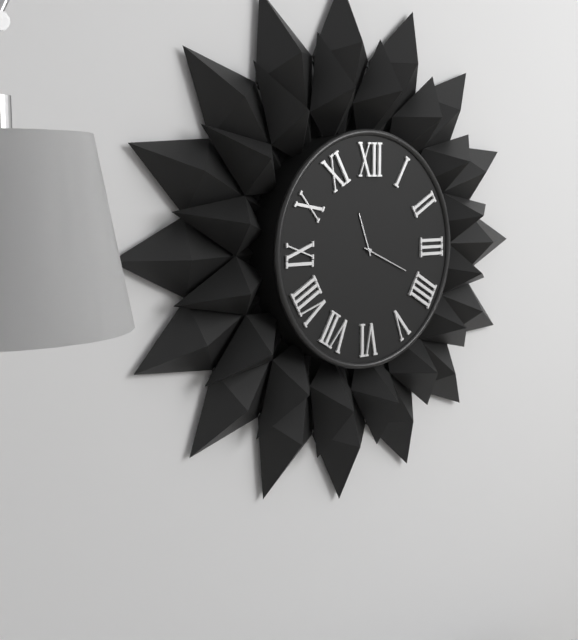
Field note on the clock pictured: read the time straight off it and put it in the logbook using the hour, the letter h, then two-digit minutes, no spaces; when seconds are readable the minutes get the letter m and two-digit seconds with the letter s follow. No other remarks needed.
11h19
